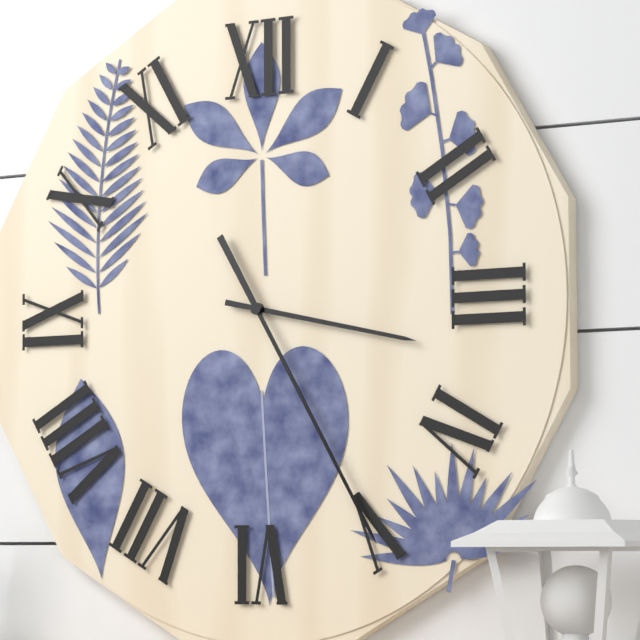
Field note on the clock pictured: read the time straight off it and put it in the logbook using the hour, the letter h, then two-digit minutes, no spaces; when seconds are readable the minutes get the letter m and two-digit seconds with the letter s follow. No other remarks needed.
3h25
